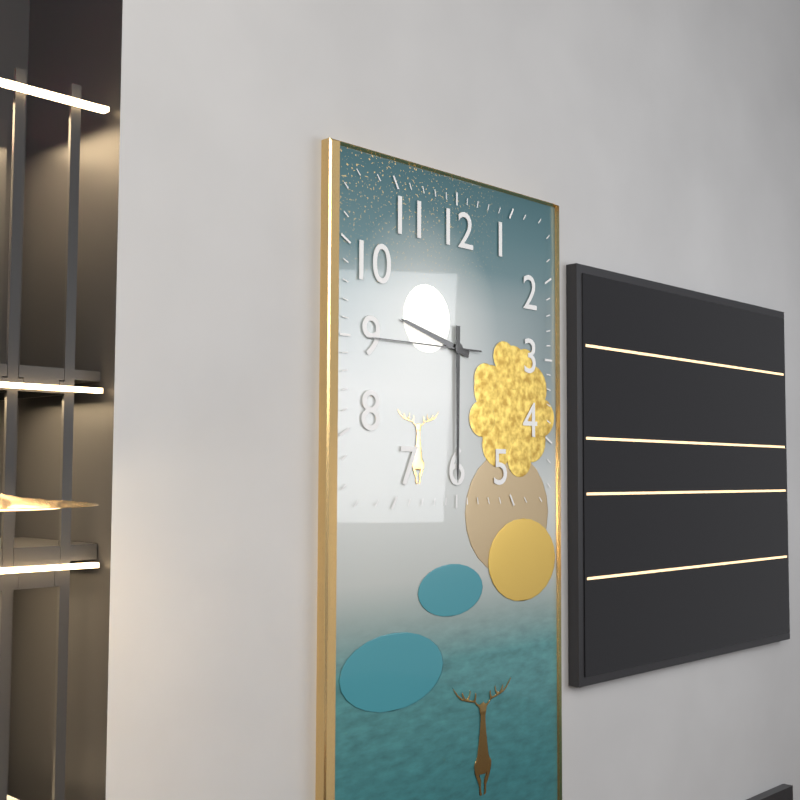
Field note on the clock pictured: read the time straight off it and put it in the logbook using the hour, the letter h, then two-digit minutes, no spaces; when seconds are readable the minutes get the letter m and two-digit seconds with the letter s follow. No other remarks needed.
9h30m45s
